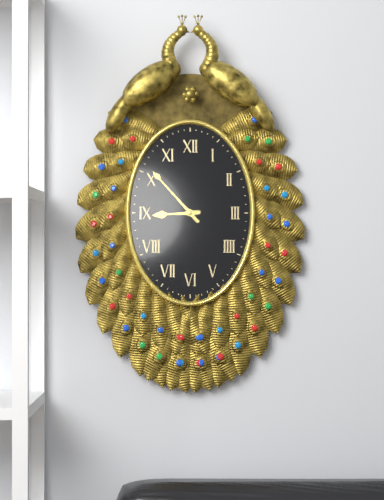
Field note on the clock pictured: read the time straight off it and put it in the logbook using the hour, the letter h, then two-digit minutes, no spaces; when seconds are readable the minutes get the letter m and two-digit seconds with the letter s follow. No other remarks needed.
8h53
